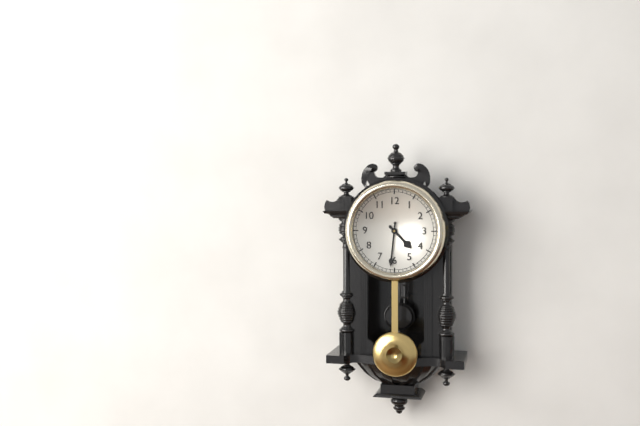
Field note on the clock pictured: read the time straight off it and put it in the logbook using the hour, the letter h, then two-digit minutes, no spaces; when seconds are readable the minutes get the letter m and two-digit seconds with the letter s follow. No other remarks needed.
4h31
